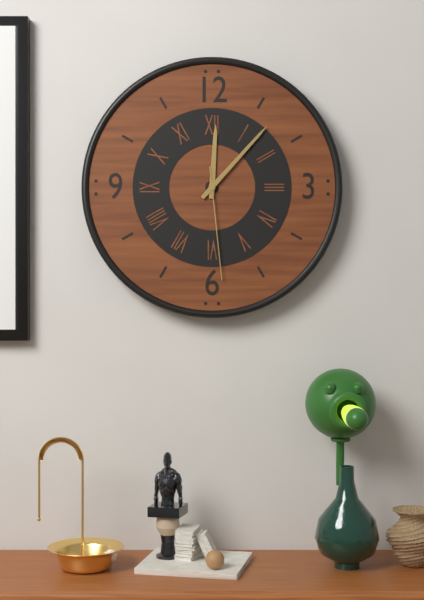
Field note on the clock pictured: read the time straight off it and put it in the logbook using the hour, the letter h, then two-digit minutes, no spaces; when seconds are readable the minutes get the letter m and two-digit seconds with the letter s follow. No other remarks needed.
12h07m29s
